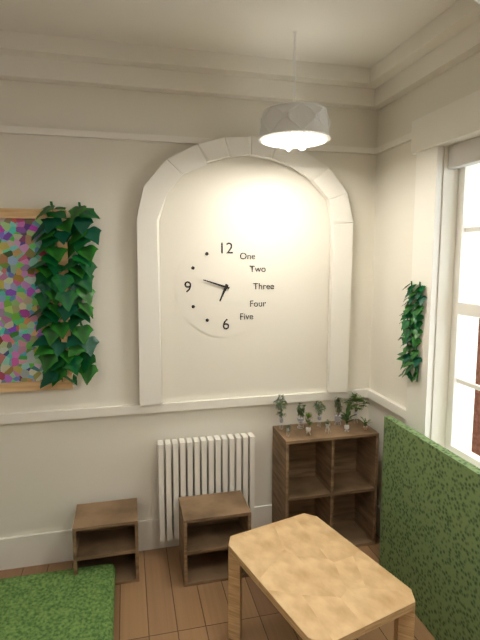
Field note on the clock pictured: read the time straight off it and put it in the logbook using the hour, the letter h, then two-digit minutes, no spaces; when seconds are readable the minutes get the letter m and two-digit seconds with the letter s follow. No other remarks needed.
6h48
